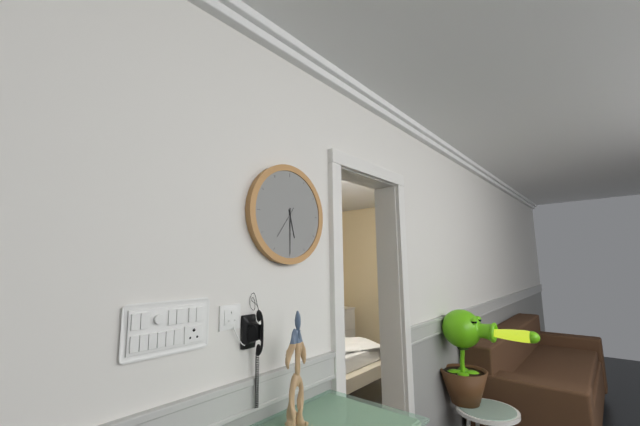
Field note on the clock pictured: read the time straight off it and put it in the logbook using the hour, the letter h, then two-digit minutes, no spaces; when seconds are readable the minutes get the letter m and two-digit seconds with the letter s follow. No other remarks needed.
5h30
